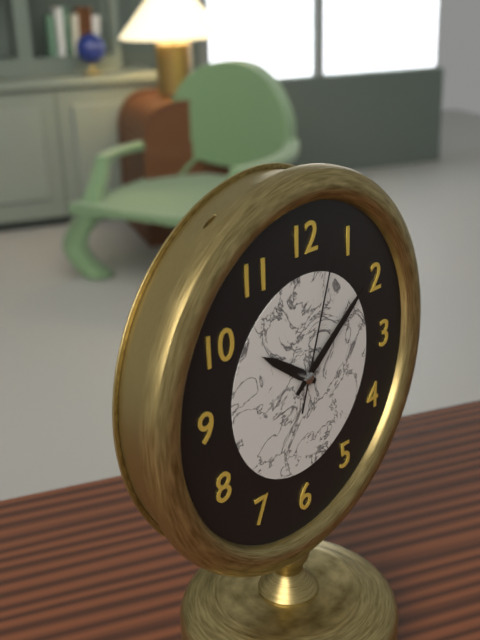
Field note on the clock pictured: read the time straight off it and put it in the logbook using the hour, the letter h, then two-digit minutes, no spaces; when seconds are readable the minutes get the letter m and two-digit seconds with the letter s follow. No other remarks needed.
10h09m03s
